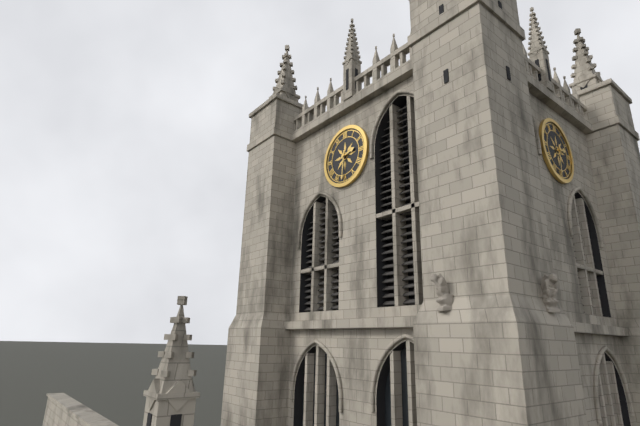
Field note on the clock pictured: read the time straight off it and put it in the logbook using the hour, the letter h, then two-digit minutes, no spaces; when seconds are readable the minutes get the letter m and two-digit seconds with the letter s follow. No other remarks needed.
2h31
